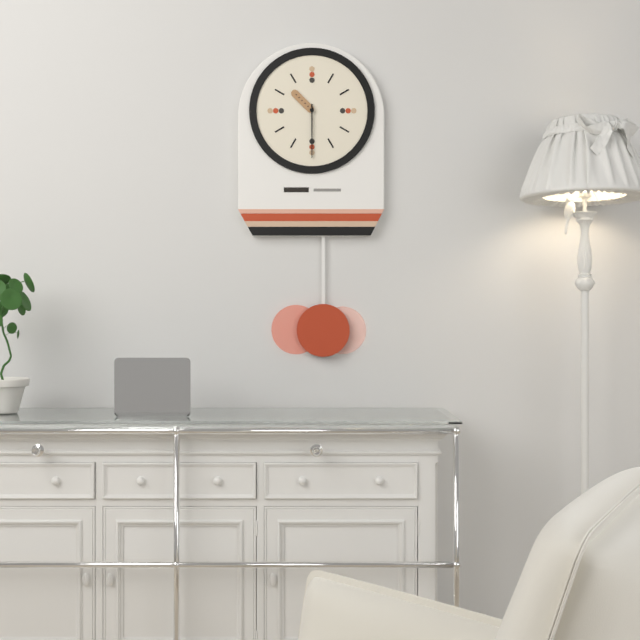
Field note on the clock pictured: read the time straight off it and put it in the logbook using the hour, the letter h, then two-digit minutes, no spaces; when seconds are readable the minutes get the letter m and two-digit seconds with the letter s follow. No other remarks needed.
10h30
